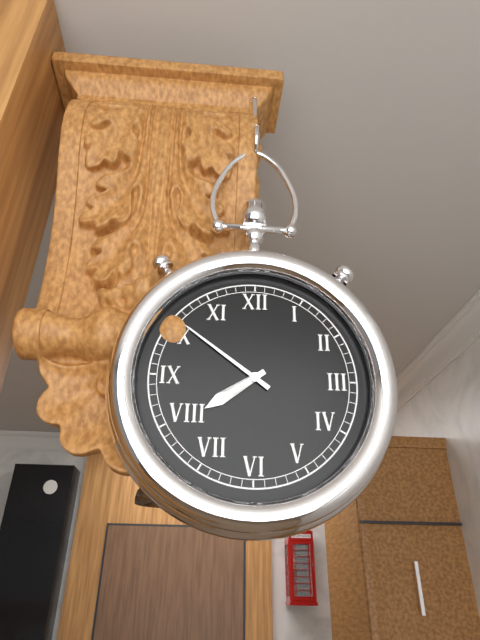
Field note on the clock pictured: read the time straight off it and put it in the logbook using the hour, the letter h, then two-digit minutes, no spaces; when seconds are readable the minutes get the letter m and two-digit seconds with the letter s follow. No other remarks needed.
7h51
